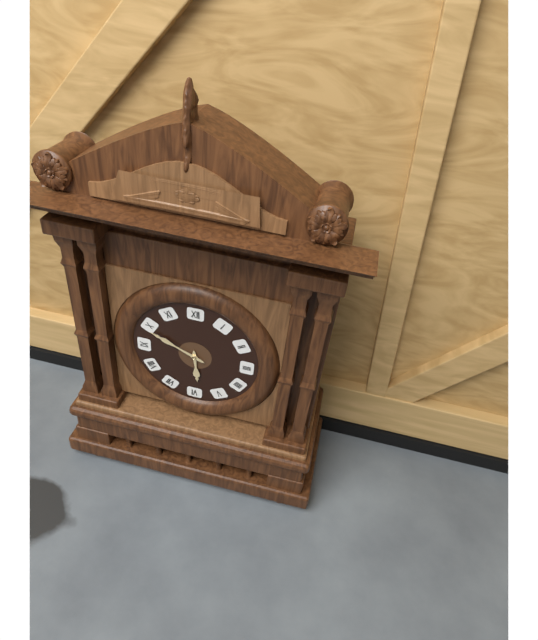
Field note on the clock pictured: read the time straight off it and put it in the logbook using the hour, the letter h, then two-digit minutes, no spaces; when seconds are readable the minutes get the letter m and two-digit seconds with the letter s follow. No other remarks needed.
5h49
